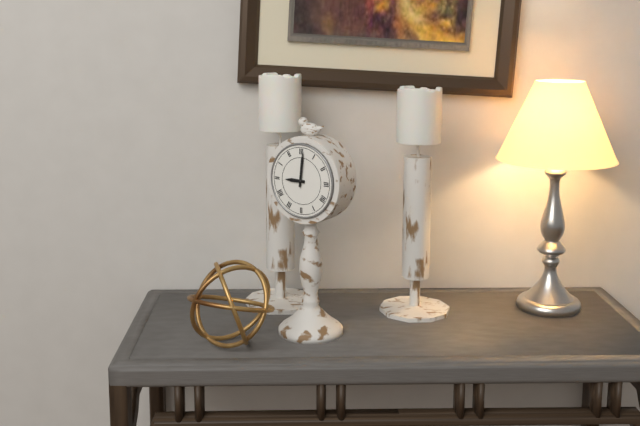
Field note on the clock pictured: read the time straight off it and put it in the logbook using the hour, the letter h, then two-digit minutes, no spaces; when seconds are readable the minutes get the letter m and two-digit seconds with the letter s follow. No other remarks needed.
9h01
